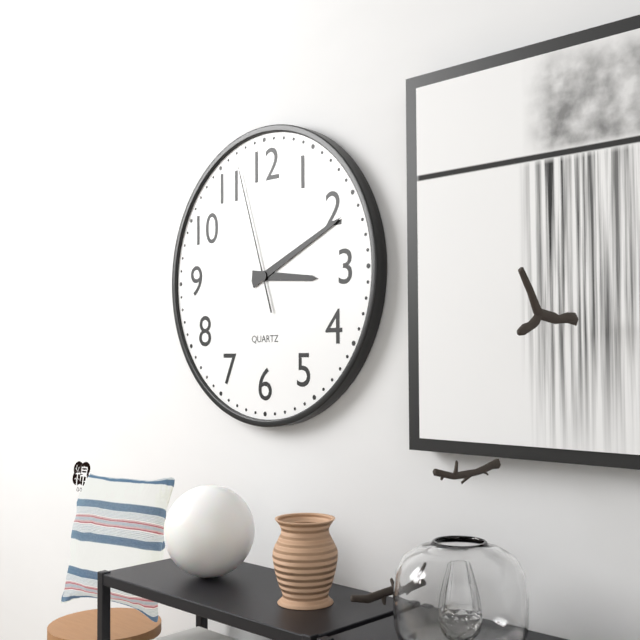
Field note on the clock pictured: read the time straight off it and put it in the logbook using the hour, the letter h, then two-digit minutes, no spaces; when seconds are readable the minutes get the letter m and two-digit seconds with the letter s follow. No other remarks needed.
3h11m57s
